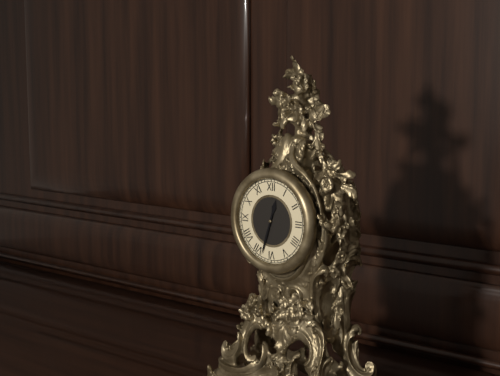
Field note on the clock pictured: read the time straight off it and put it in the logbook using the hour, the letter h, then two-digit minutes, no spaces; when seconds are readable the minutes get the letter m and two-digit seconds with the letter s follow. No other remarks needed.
12h33
